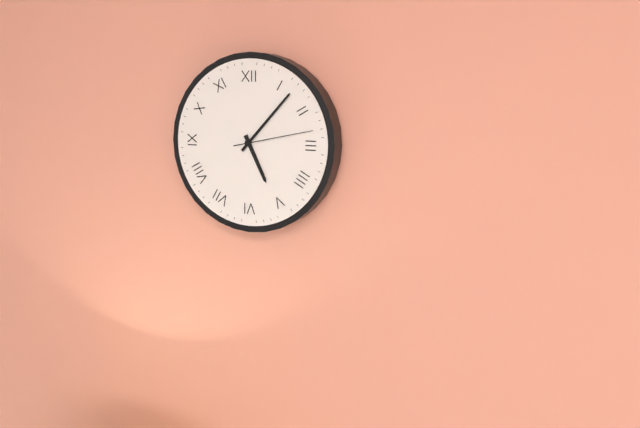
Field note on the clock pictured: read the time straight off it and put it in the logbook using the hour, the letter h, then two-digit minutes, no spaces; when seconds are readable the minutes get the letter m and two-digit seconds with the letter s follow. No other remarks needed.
5h07m13s
